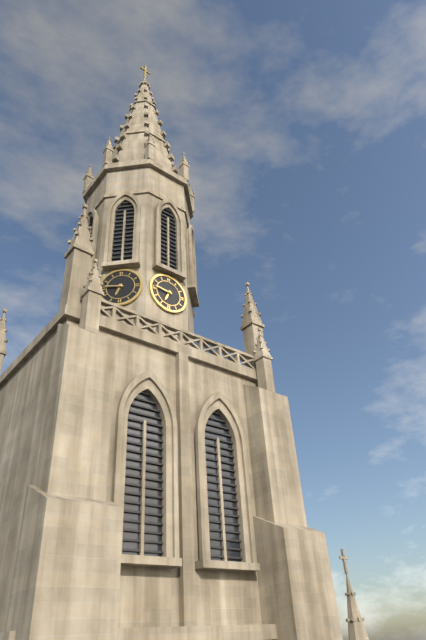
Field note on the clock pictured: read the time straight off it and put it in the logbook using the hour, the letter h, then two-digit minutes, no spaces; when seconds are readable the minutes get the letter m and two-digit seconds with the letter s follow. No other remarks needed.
6h46
